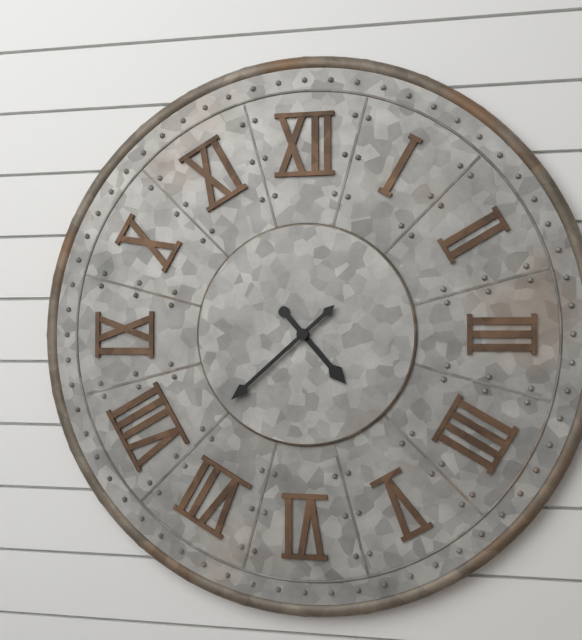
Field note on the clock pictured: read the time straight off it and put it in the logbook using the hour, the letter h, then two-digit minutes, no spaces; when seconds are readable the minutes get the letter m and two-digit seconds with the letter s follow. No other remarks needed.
4h38
